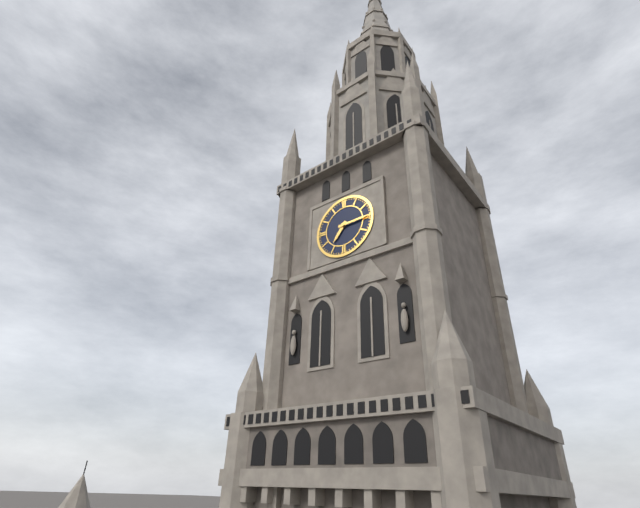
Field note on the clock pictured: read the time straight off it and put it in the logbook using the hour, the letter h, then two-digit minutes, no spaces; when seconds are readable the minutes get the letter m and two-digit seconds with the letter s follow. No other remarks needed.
7h15
